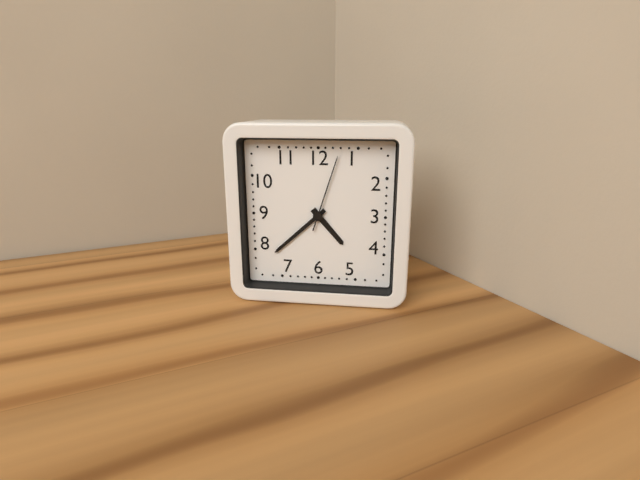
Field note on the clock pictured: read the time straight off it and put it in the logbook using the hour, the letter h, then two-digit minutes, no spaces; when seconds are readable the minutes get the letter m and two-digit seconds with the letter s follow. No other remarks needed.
4h38m03s
